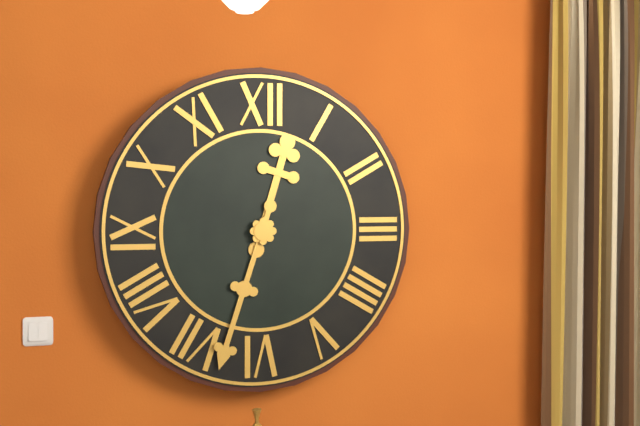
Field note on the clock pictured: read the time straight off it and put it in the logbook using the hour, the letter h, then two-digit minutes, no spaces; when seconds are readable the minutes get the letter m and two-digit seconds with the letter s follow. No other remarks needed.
12h33
